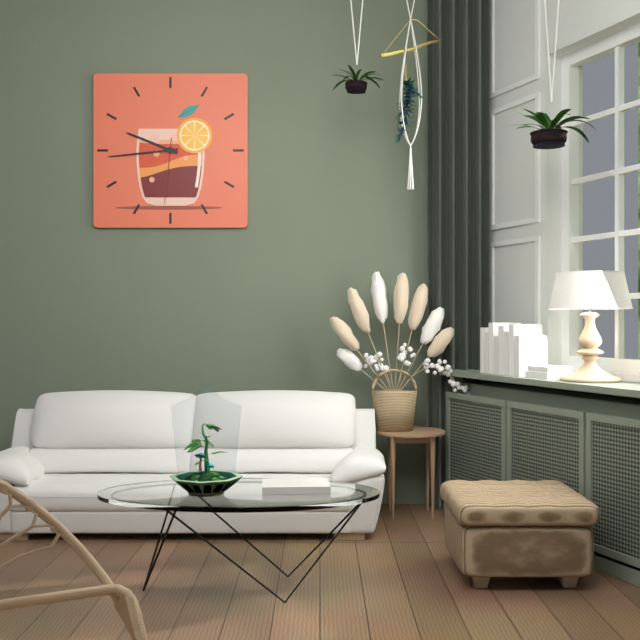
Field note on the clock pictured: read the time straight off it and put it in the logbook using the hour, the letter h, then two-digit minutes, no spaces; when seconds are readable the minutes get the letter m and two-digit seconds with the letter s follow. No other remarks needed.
9h44m31s
